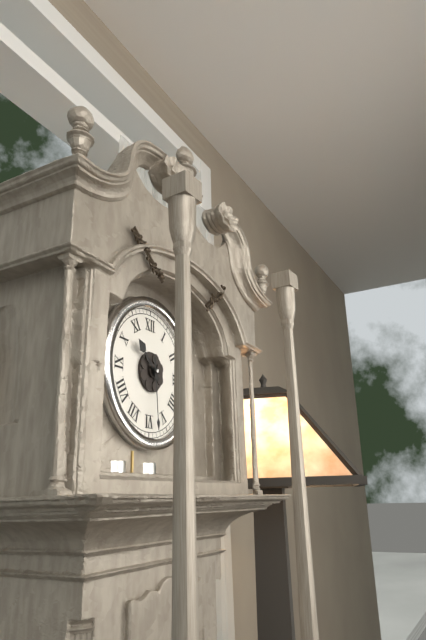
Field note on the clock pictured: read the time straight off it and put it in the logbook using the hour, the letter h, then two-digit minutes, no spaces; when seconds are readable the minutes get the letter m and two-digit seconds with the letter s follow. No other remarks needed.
10h29
